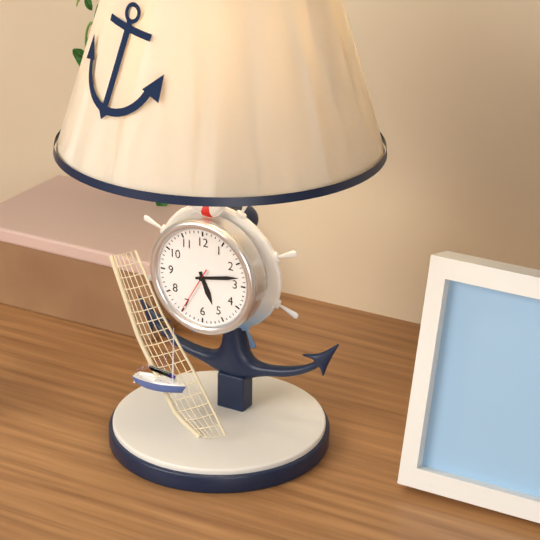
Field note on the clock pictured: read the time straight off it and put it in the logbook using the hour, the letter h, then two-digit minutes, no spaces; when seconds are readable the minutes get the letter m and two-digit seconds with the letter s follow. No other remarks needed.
5h13
